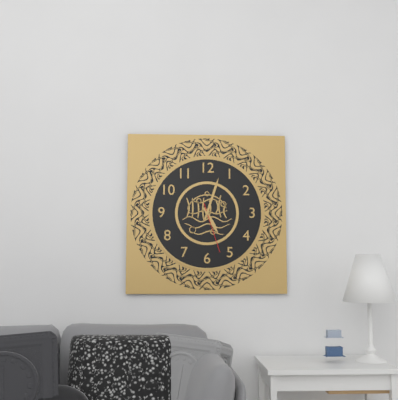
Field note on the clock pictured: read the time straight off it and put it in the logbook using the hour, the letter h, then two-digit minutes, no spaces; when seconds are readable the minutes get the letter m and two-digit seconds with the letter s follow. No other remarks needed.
5h03m27s
